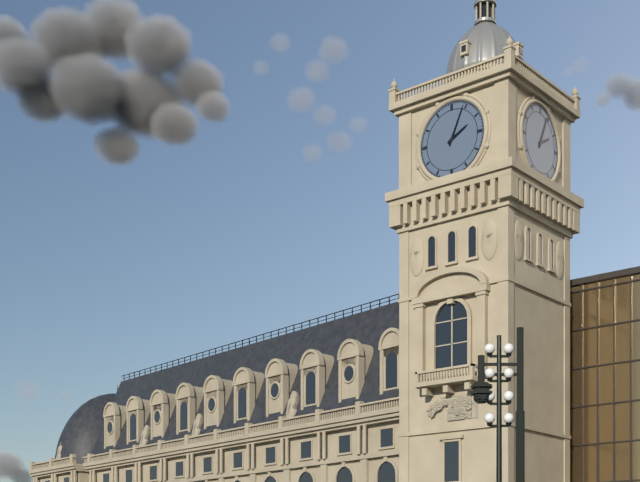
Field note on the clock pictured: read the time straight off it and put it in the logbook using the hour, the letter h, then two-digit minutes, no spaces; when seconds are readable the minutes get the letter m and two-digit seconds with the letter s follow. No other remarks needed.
2h04
